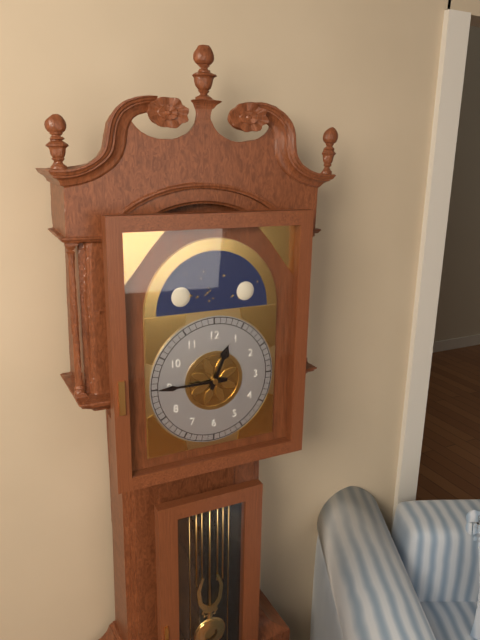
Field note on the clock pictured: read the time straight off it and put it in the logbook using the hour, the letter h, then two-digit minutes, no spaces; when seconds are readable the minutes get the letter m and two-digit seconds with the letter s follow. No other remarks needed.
12h45
